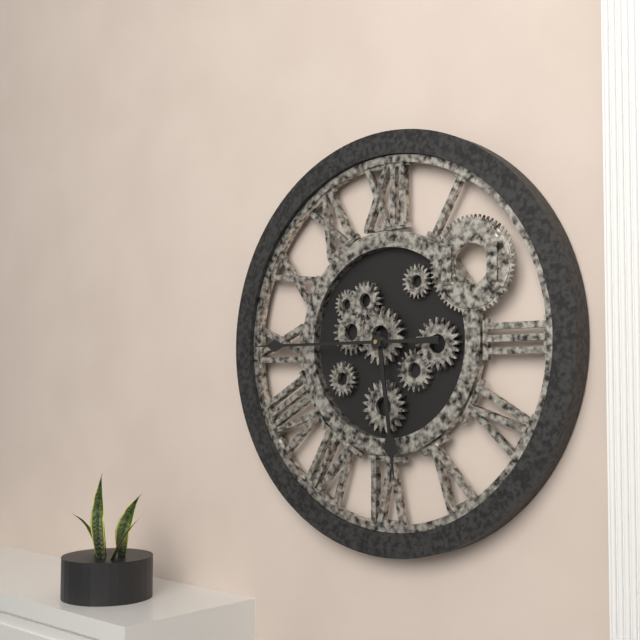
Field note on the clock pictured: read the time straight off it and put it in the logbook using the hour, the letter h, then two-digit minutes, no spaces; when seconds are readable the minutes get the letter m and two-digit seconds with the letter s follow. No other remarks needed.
5h45
